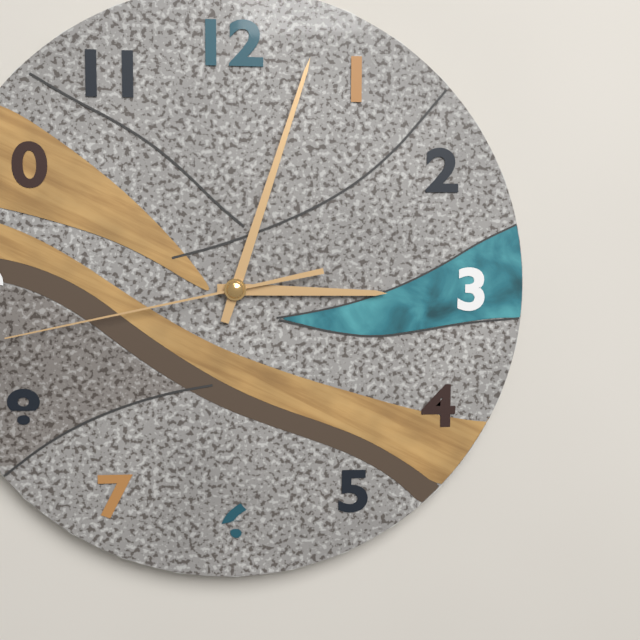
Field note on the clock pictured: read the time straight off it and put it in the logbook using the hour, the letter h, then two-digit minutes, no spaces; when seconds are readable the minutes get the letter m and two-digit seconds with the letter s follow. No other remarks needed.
3h03m43s
